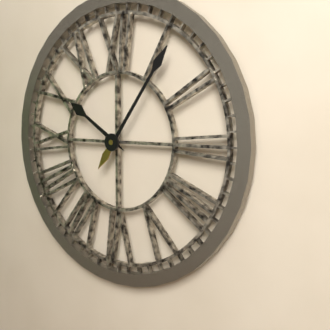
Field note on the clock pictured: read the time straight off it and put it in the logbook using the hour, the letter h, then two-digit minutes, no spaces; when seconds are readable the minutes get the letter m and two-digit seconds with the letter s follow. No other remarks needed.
10h06
